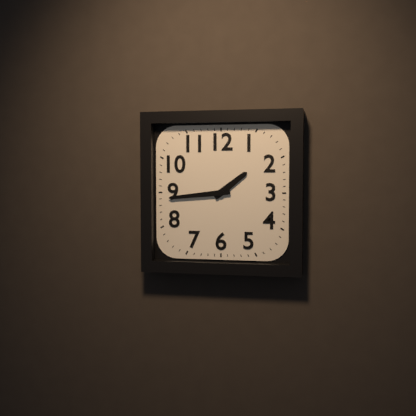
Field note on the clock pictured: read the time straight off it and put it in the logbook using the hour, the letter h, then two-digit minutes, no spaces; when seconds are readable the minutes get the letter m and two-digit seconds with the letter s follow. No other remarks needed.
1h44
